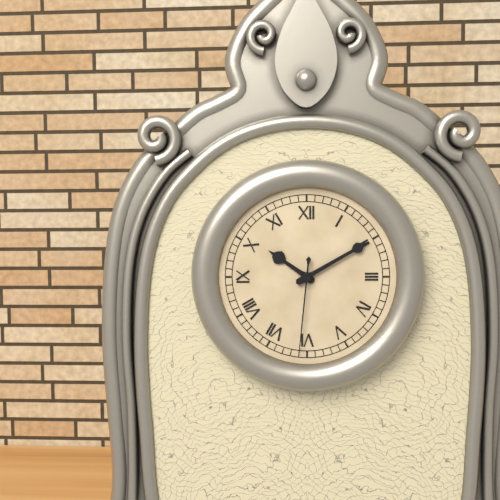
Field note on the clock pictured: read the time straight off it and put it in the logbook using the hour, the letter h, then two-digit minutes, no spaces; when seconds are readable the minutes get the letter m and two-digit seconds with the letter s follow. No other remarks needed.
10h10m31s
